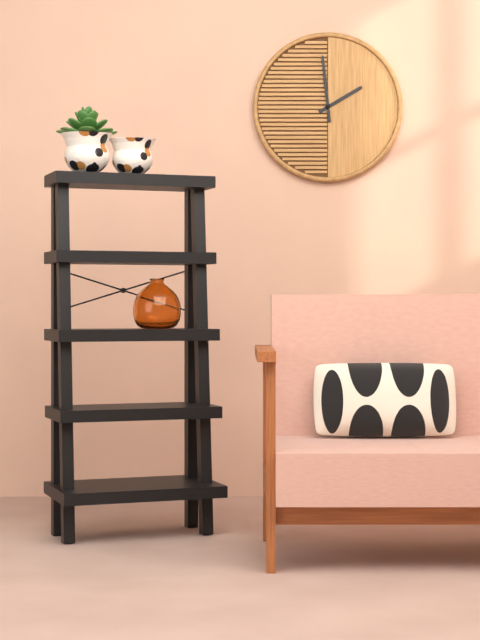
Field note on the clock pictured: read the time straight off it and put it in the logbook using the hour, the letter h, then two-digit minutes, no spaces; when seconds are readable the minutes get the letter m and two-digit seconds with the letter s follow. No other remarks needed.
1h59
